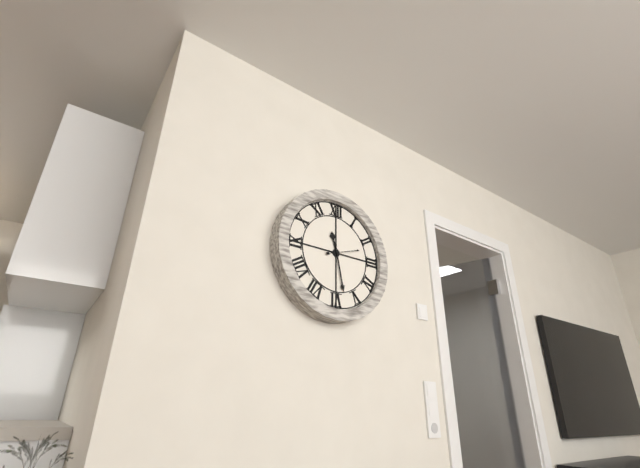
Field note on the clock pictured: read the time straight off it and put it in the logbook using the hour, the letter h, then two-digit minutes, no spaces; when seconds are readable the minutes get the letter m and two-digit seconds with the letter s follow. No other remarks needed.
11h28
